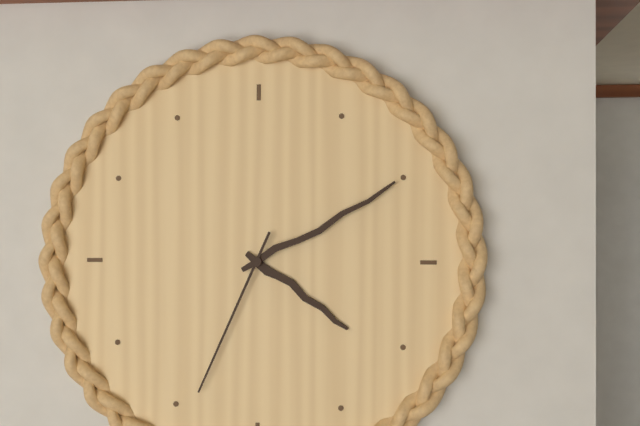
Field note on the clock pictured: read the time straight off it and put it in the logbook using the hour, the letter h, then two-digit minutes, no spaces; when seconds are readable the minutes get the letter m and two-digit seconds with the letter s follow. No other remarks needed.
4h10m34s
